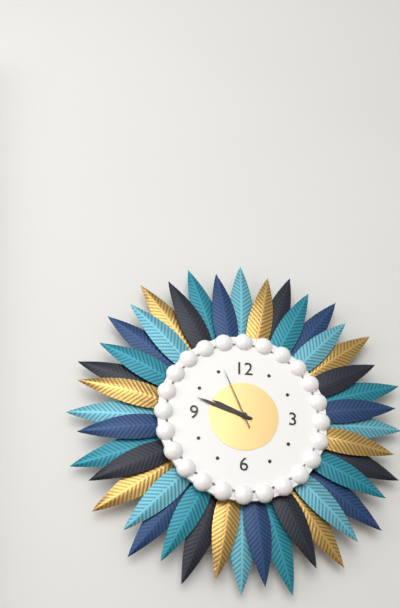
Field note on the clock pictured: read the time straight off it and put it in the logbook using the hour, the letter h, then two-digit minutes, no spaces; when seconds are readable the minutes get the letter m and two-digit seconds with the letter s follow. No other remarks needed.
9h48m56s
